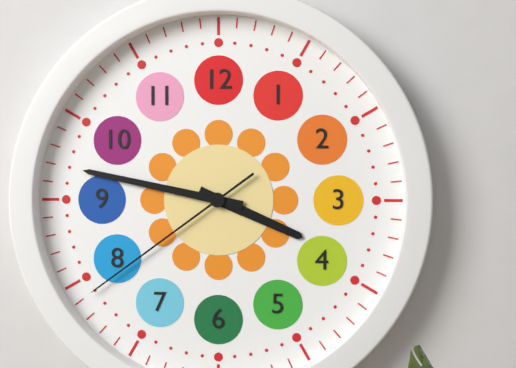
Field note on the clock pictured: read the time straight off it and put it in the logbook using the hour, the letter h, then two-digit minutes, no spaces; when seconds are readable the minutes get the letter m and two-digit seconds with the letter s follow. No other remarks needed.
3h47m39s
